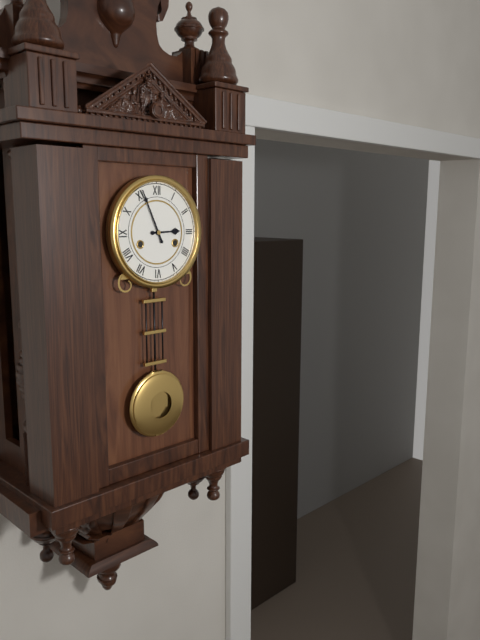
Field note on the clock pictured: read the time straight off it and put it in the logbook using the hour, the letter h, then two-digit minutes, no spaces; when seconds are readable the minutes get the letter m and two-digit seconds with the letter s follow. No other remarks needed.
2h56
